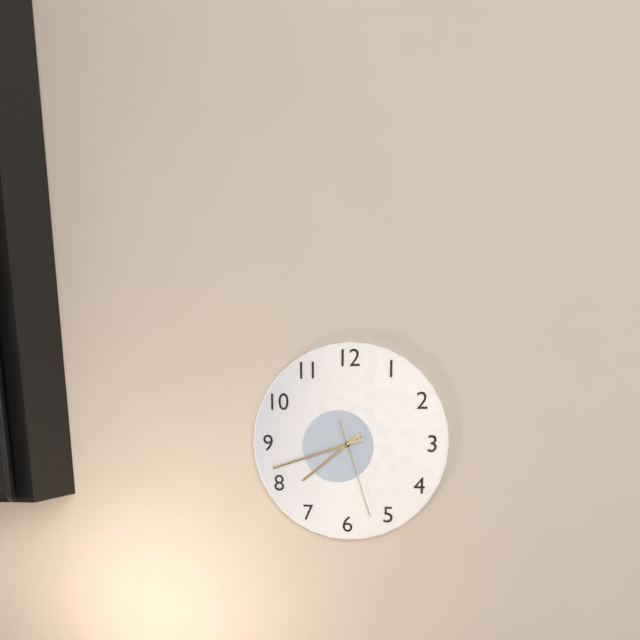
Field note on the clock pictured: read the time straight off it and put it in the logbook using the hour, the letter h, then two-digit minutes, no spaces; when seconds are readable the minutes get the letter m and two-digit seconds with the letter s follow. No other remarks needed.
7h42m27s
